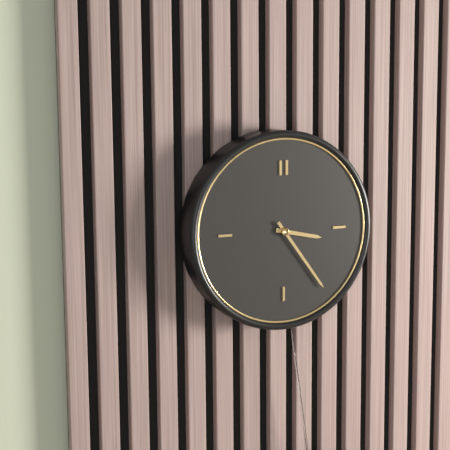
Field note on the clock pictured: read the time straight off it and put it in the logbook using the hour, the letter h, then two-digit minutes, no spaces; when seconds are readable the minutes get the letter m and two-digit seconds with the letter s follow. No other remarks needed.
3h24
